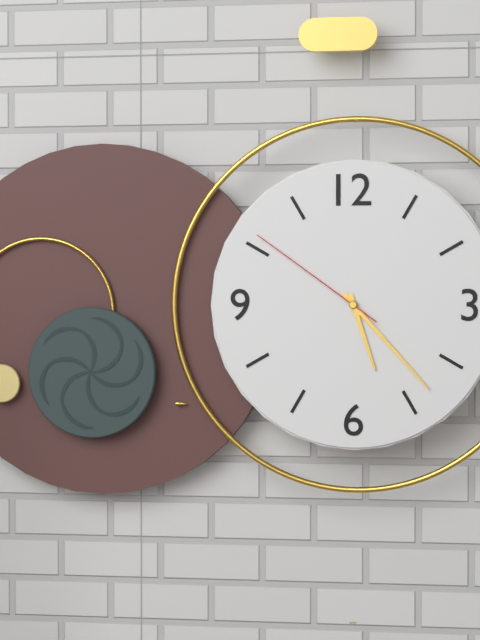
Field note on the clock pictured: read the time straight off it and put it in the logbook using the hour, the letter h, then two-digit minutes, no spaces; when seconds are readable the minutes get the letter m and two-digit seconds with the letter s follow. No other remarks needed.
5h23m51s
